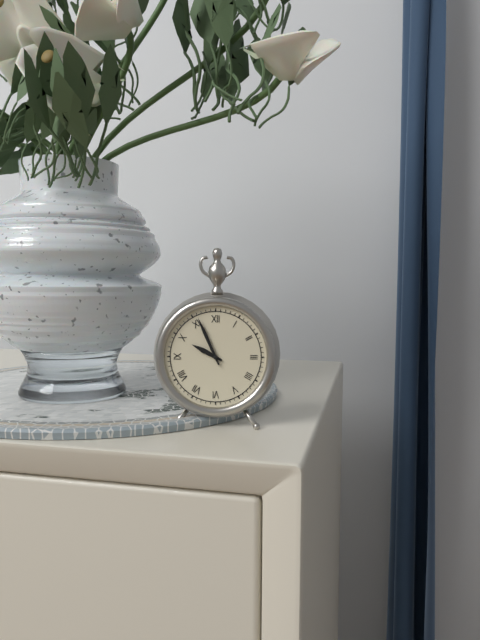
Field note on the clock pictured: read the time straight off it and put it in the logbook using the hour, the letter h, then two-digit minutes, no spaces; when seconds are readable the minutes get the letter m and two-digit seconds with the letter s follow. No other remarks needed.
9h56
